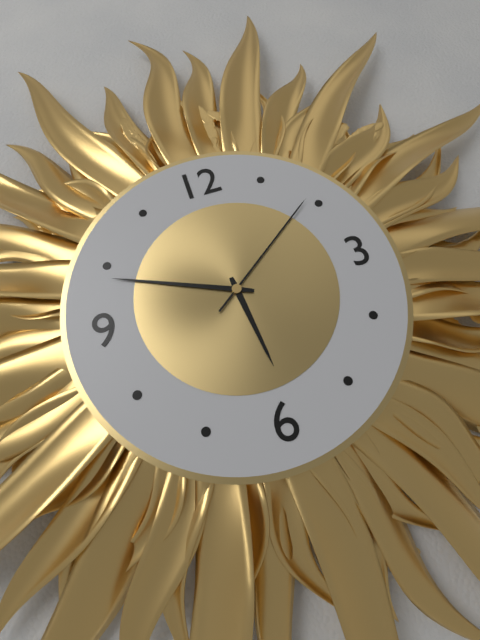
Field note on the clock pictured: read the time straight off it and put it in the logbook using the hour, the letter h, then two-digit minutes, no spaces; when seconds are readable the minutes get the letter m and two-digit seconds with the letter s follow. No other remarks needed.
5h49m09s
